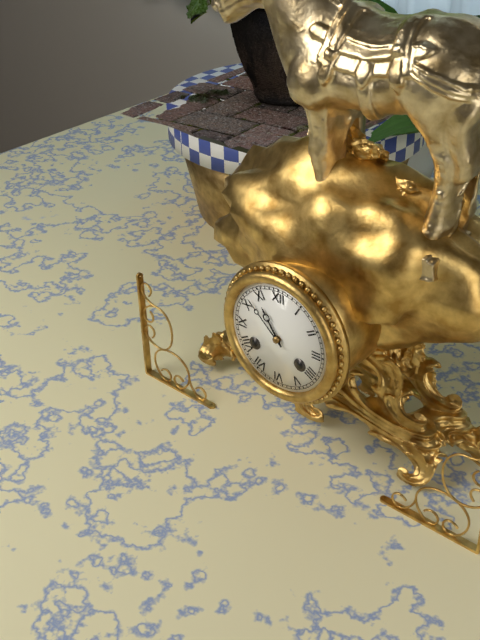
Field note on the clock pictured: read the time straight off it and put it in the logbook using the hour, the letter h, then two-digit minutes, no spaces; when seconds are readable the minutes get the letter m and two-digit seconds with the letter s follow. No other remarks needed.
10h52
